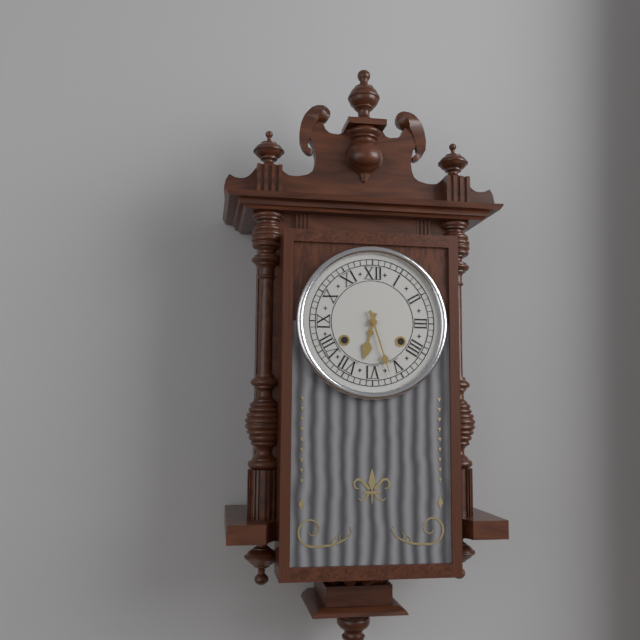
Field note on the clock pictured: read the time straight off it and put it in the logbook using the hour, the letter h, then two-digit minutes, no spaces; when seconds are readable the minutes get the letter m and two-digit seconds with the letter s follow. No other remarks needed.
6h27
